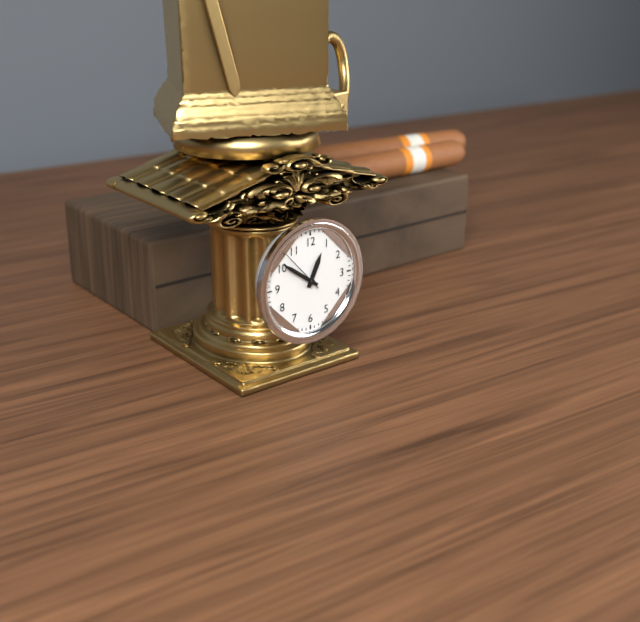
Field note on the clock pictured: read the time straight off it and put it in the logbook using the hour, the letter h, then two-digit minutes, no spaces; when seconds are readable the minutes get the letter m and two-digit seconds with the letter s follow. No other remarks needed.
12h51
